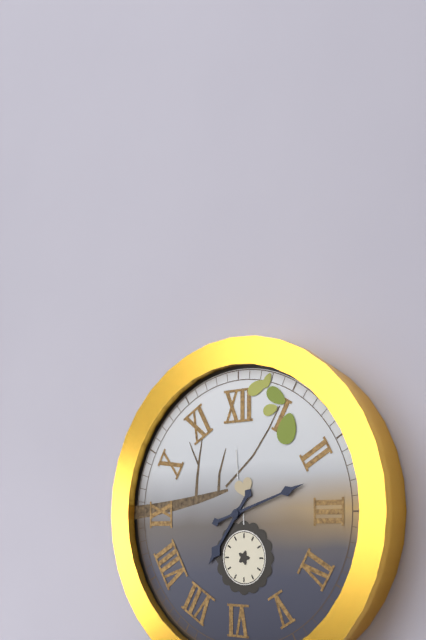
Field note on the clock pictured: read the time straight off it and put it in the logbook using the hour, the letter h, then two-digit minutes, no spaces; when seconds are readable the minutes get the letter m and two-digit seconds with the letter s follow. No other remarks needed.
7h12
